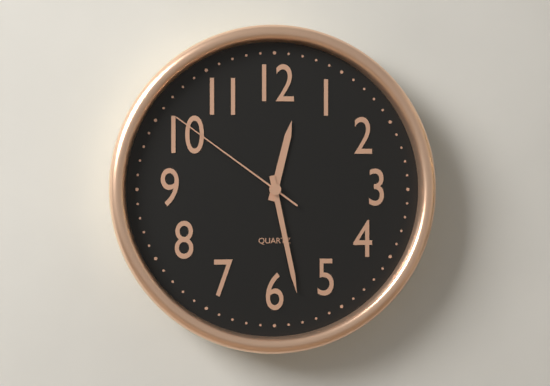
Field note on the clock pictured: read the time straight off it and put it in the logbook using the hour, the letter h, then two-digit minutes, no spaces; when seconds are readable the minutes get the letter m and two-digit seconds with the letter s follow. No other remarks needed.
12h28m51s
